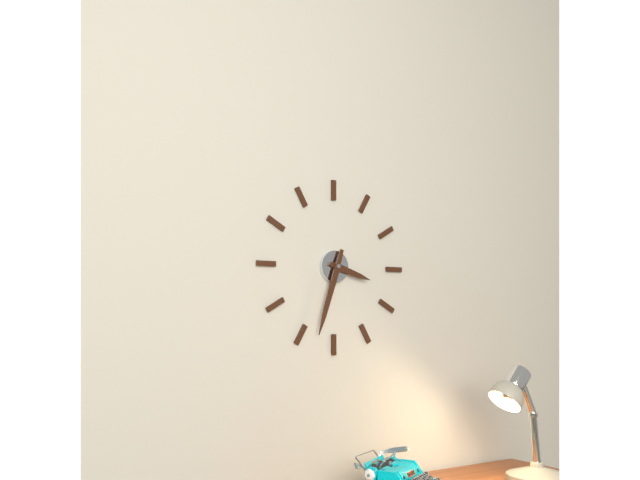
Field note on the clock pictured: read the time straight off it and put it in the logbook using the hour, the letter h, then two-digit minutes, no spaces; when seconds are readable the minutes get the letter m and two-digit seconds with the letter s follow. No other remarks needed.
3h33
